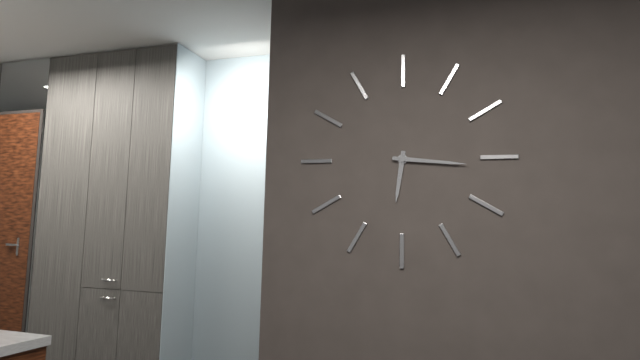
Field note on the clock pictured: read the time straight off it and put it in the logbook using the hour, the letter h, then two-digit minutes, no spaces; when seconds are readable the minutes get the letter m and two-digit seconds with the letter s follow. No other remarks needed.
6h16
